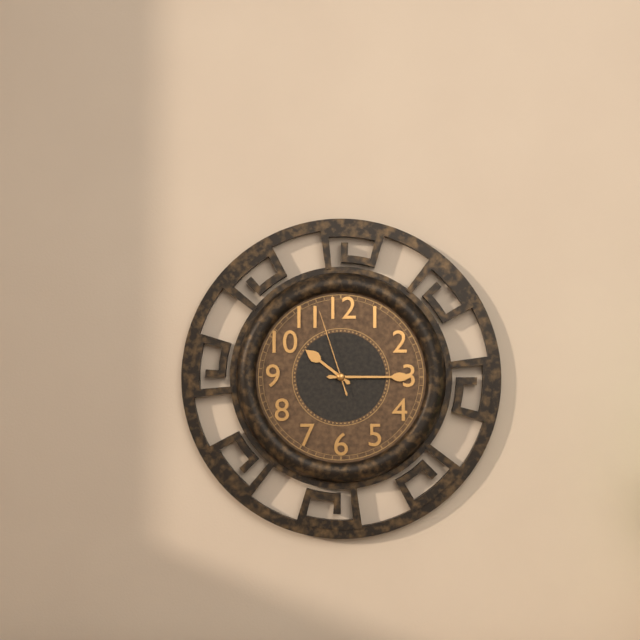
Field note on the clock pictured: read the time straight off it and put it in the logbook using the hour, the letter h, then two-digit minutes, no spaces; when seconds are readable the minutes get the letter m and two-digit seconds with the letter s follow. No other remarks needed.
10h15m57s
